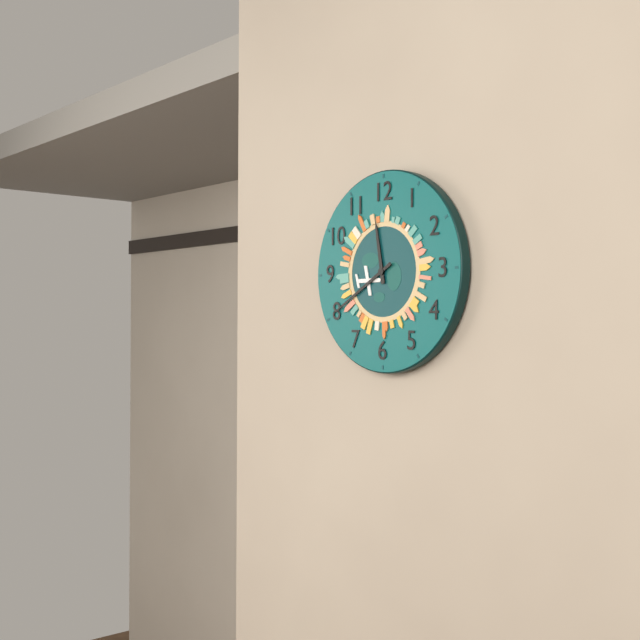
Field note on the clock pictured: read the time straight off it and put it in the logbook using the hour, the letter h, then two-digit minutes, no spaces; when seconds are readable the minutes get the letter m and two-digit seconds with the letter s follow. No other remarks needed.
11h40
